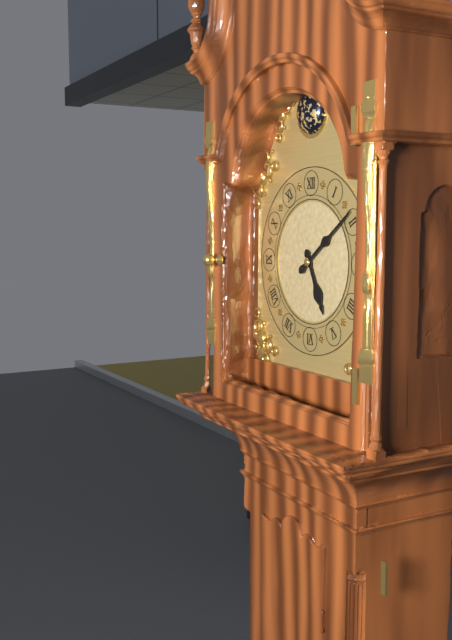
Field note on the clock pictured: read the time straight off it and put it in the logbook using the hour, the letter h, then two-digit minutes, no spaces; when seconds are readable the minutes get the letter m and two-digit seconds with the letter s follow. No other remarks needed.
5h09
